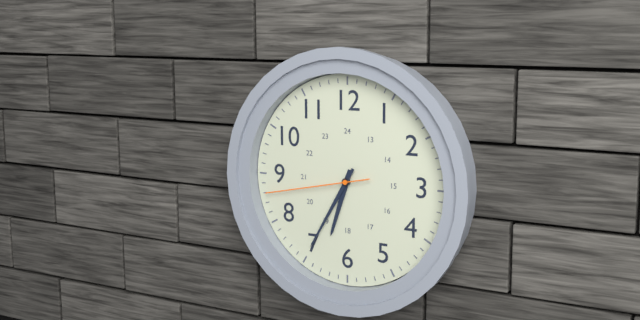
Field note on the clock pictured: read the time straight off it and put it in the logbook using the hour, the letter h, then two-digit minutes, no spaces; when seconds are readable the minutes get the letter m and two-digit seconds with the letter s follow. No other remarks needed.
6h35m43s
